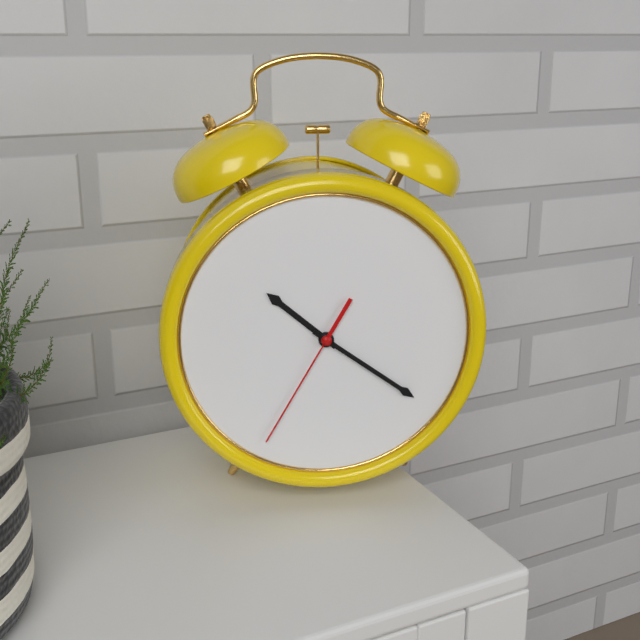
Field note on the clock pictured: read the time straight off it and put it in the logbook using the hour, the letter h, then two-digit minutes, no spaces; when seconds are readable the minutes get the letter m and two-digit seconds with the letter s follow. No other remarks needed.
10h21m35s
